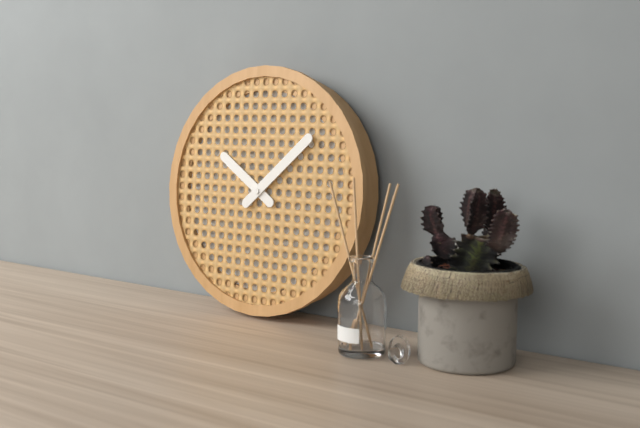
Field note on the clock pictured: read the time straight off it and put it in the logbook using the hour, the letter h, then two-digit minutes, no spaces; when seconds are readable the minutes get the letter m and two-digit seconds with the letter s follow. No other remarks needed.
10h08
